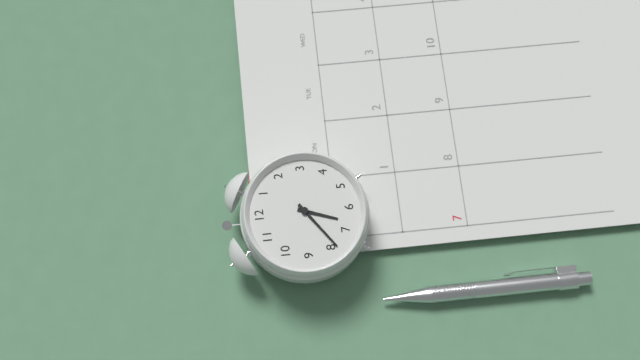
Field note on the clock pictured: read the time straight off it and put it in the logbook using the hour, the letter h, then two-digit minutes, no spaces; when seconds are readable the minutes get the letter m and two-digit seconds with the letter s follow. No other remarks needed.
6h39
